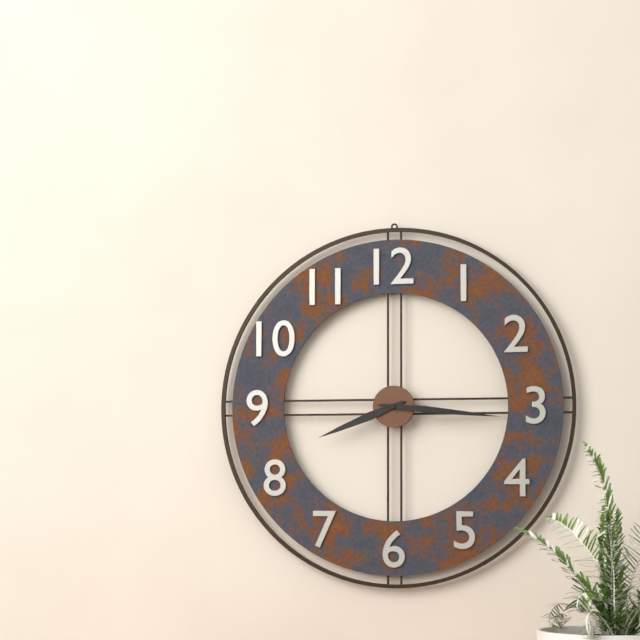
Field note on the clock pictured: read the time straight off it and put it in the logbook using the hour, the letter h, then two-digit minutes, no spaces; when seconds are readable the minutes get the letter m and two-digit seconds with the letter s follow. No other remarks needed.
8h16
